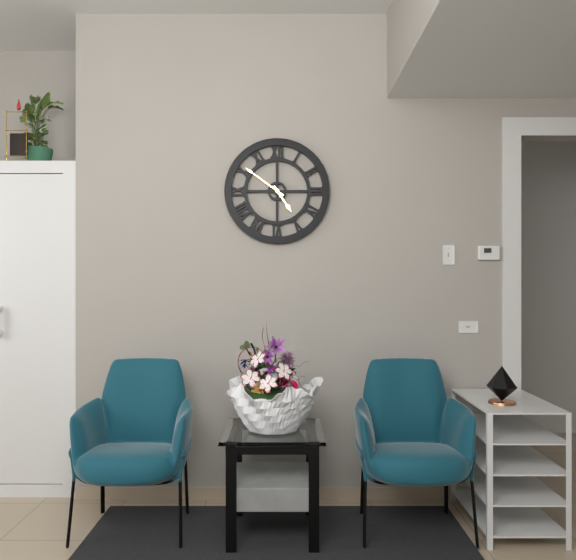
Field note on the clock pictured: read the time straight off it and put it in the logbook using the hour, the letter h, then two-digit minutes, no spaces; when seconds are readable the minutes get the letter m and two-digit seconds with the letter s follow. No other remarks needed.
4h51
